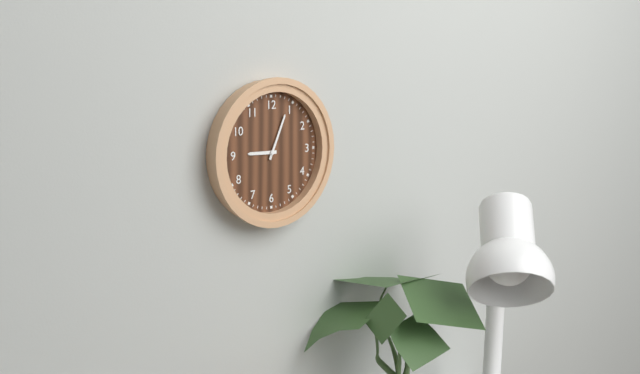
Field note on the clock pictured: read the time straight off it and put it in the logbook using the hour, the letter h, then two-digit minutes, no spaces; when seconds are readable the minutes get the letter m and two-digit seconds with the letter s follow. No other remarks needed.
9h04
